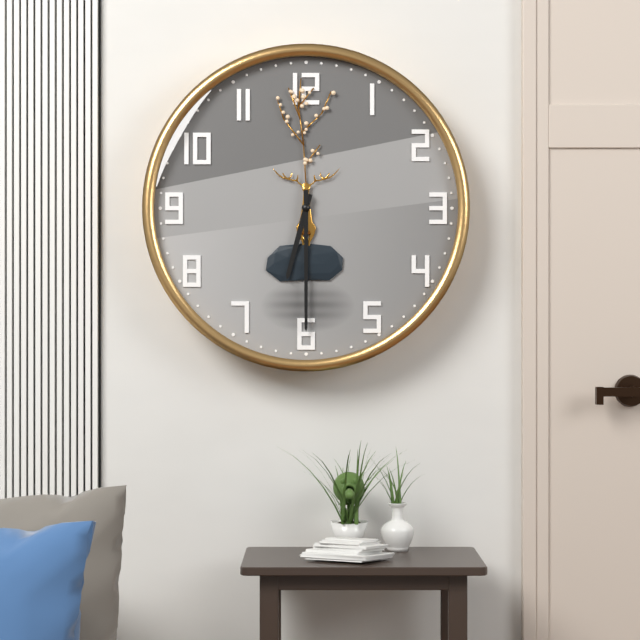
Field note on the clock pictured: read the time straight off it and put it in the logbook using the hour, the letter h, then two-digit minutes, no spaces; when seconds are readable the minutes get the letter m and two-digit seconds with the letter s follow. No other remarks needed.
6h30
